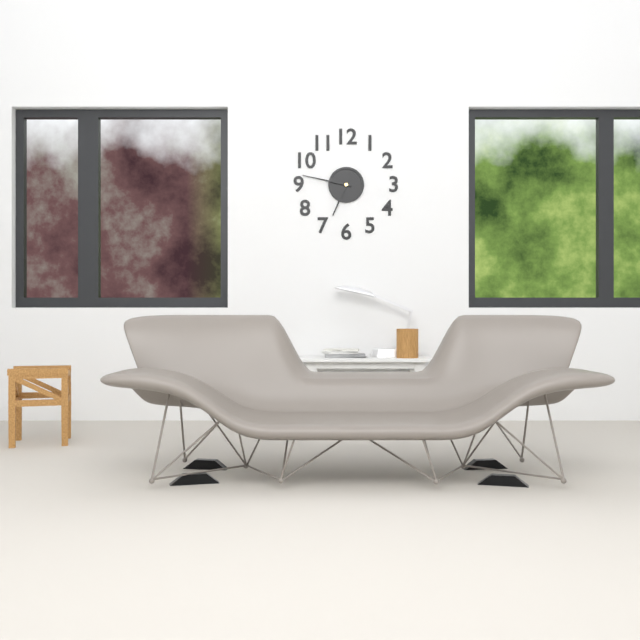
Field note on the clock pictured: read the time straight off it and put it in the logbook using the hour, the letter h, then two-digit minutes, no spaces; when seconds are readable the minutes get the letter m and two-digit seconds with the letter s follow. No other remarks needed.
6h47
